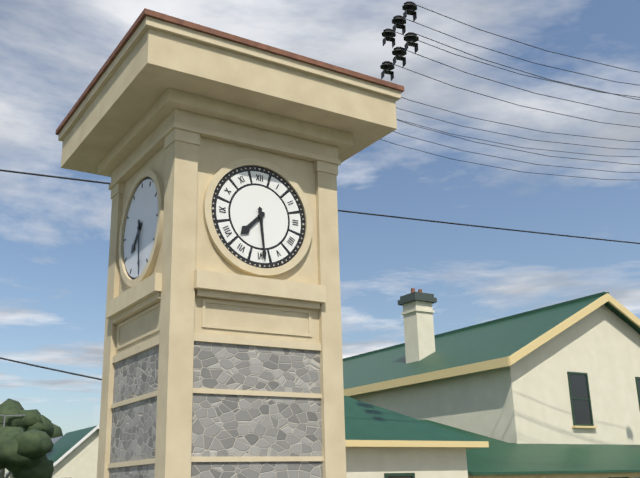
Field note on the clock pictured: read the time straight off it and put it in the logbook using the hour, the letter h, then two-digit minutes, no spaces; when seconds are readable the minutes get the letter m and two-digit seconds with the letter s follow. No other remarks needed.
7h29
